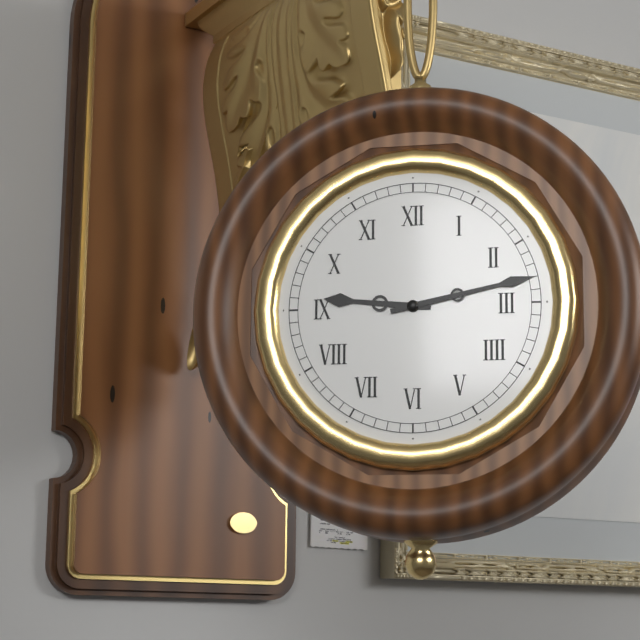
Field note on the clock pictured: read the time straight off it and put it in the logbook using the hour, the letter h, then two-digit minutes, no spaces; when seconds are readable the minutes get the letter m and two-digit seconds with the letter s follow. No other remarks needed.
9h13
